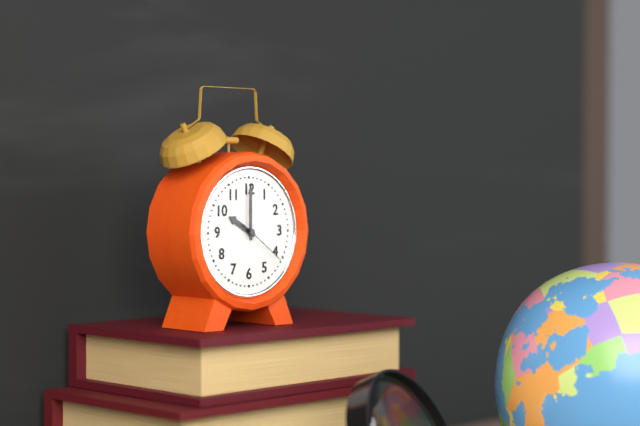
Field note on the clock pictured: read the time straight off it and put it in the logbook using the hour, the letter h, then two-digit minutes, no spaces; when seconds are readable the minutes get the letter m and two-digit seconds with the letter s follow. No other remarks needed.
10h00m21s
